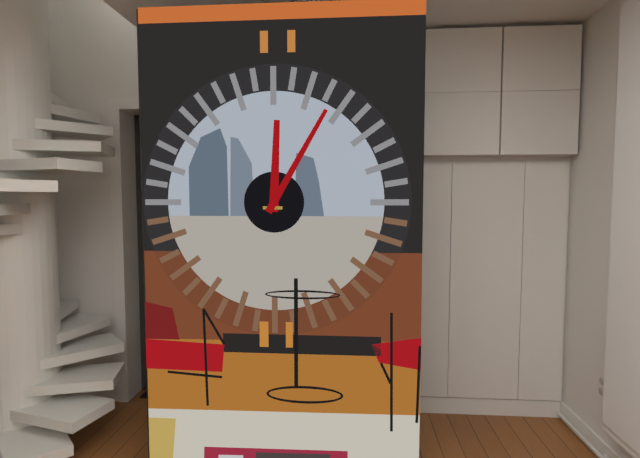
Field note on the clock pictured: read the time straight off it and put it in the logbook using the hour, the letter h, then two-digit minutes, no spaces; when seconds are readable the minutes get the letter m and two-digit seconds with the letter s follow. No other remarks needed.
12h05
